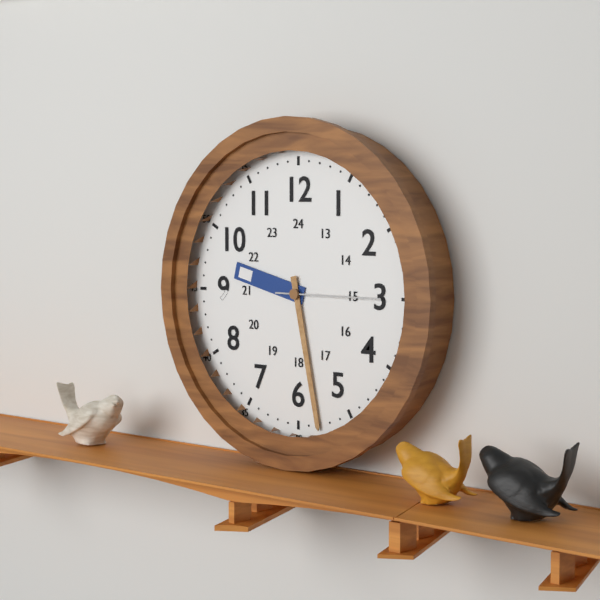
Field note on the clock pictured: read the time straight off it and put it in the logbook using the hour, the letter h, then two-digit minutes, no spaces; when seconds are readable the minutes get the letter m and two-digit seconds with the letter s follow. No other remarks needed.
9h28m15s
